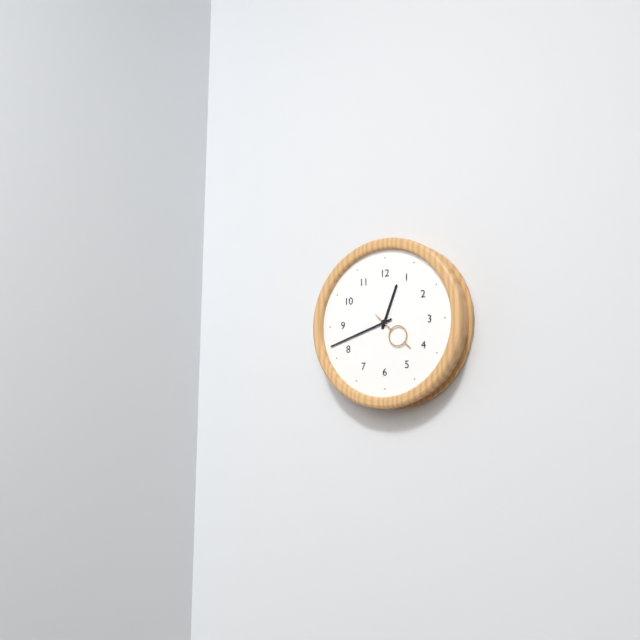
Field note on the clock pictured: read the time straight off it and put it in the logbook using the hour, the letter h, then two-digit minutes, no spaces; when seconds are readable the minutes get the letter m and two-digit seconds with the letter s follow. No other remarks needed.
12h42
